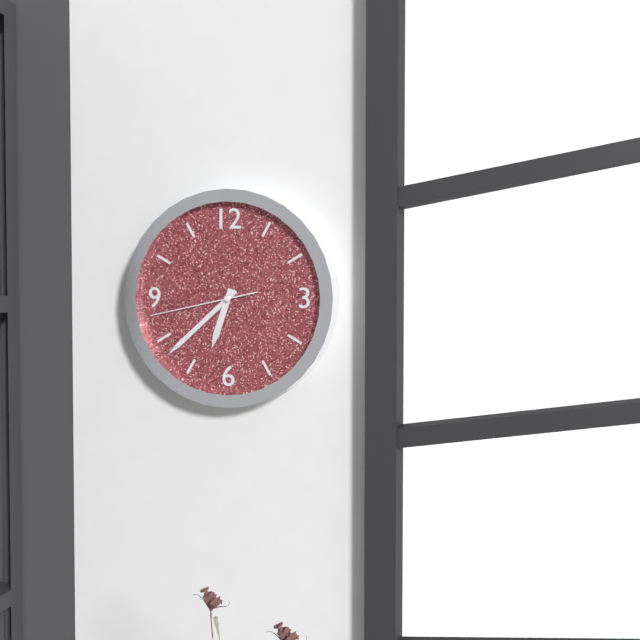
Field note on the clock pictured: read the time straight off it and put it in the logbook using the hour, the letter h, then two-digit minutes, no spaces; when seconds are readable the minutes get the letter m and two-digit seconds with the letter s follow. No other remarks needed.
6h38m43s
